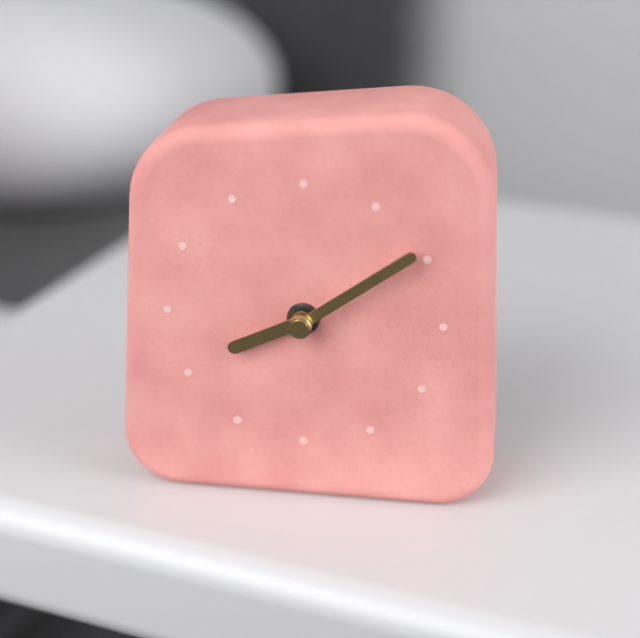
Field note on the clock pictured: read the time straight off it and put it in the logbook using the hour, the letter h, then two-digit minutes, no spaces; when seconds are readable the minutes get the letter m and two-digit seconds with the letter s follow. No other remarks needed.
8h09
